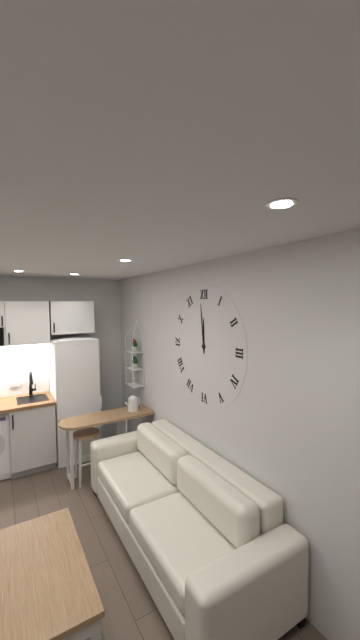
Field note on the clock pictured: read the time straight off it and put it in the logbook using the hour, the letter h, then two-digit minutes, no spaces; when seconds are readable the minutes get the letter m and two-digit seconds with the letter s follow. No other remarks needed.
11h59
